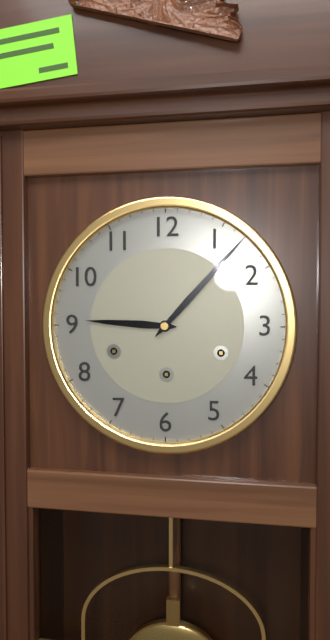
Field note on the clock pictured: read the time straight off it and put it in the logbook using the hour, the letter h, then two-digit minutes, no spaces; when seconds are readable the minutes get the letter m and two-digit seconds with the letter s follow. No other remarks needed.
9h07
